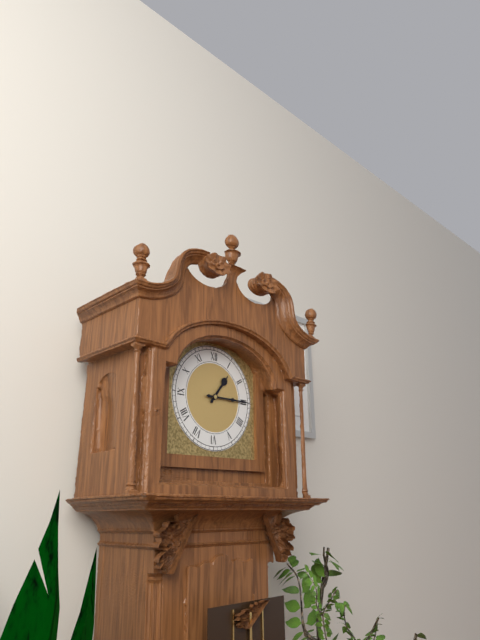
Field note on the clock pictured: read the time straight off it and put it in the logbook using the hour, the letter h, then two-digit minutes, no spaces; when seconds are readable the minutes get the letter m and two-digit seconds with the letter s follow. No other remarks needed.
1h15
